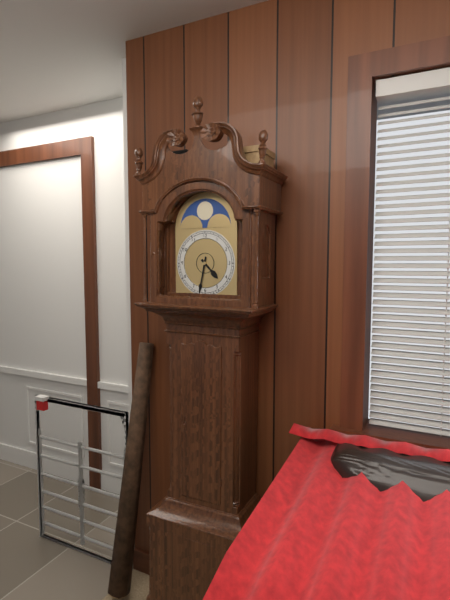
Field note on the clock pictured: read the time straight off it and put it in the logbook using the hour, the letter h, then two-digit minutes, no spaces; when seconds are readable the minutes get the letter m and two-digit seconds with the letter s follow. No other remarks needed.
4h32
